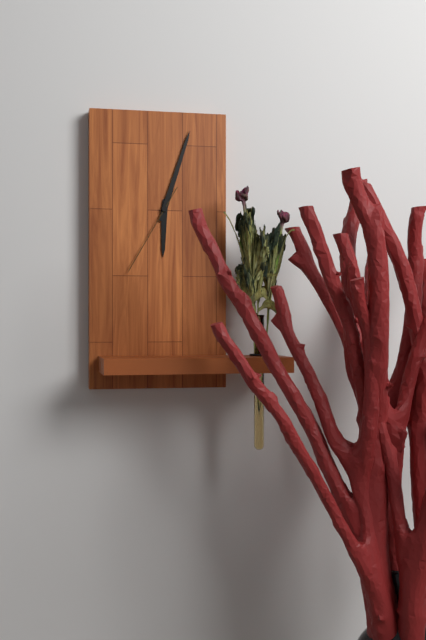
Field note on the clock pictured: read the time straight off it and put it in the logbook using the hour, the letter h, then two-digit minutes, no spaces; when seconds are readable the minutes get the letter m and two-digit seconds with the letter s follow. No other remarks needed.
6h03m35s
